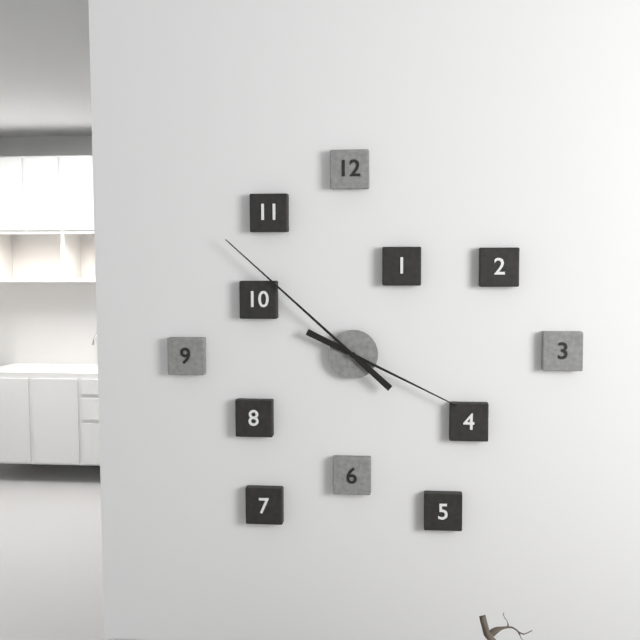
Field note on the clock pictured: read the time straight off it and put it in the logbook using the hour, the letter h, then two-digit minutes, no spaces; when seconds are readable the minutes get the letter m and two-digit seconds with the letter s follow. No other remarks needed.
3h52
